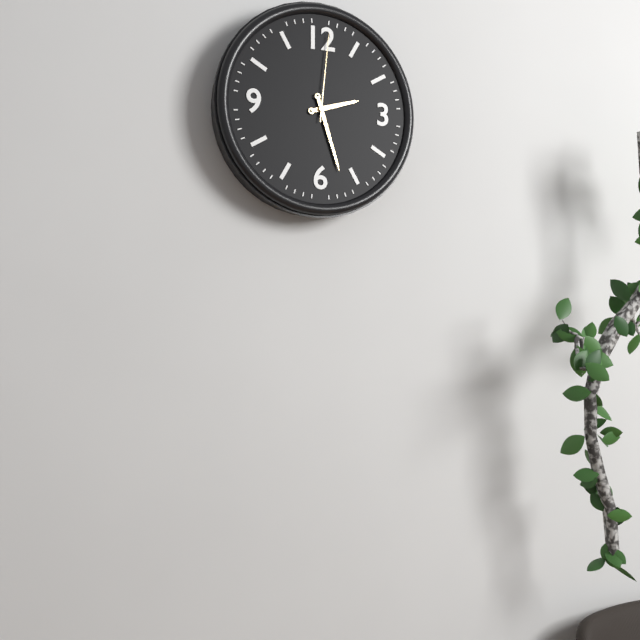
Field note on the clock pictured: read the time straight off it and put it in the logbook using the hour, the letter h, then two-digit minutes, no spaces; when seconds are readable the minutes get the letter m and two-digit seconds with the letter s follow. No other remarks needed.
2h27m01s
